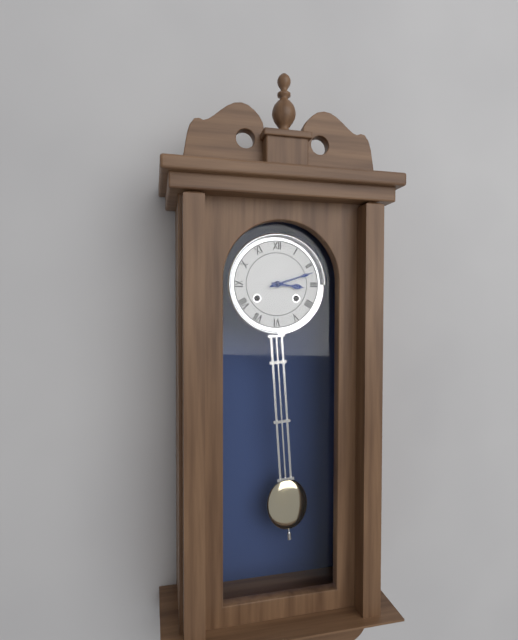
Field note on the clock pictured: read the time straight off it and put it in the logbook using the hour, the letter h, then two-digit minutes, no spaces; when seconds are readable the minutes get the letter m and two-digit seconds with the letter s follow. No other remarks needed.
3h12
